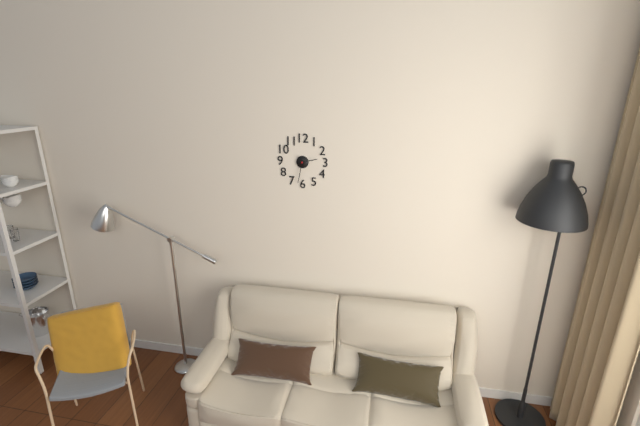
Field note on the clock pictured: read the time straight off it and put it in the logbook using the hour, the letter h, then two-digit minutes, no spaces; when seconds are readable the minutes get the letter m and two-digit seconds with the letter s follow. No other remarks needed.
2h32
